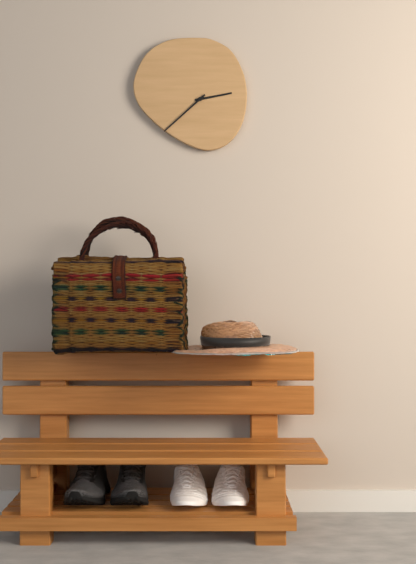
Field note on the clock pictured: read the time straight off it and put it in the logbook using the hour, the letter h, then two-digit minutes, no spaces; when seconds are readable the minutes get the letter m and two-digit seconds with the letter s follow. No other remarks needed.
2h38
